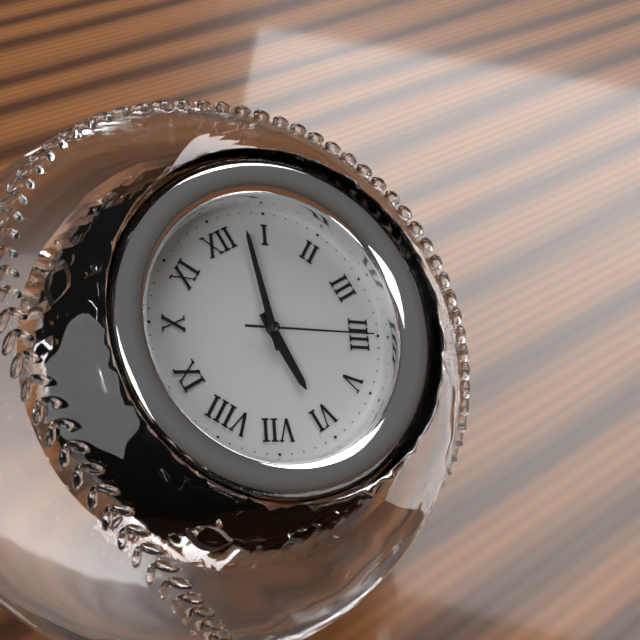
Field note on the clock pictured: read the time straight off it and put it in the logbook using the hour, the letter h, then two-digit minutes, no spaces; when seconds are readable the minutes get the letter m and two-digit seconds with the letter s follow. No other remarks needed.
6h03m20s
